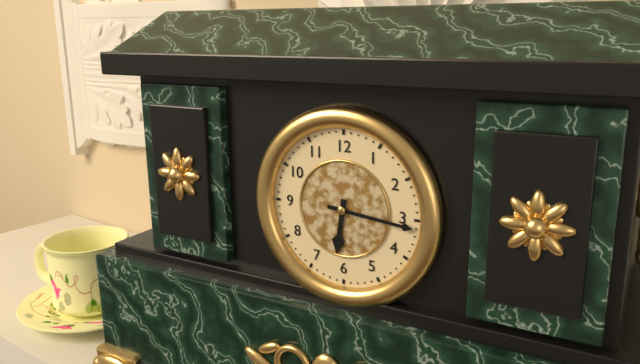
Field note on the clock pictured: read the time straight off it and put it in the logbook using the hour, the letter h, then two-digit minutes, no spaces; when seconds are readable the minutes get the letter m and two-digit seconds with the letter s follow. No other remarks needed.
6h16
